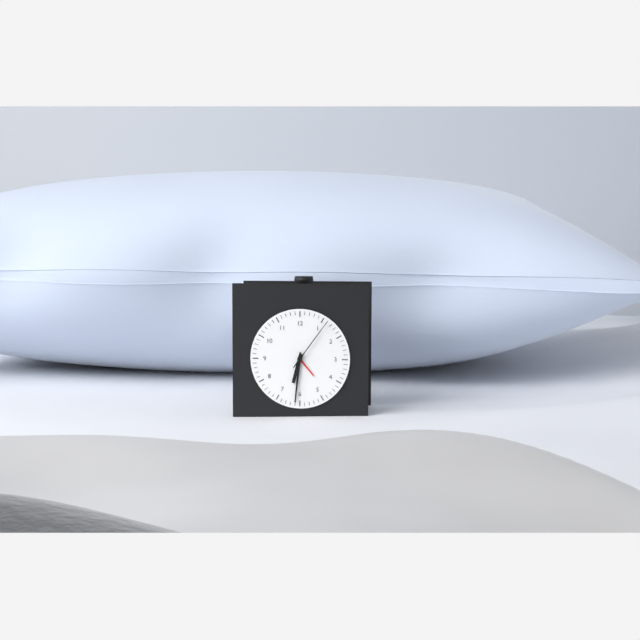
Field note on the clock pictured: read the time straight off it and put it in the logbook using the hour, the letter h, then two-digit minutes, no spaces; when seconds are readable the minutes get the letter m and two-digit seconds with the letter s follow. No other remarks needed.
6h31m06s
